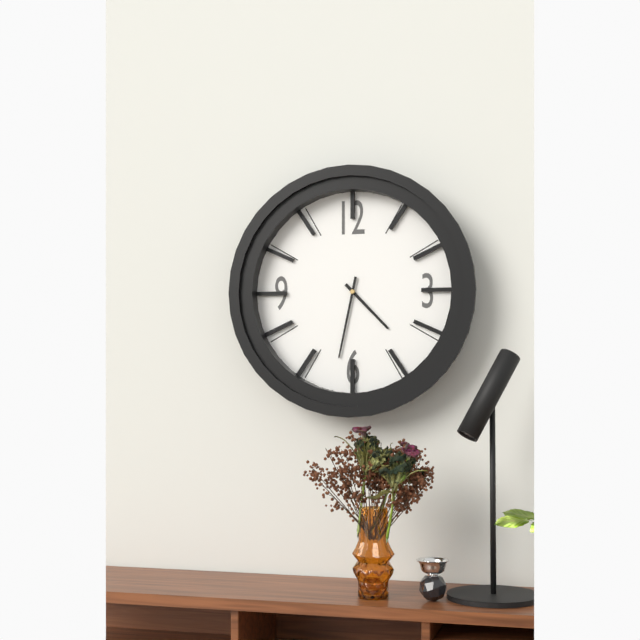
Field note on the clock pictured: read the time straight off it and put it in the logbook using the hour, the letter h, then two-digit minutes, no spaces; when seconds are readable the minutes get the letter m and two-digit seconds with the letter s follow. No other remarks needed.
4h32
